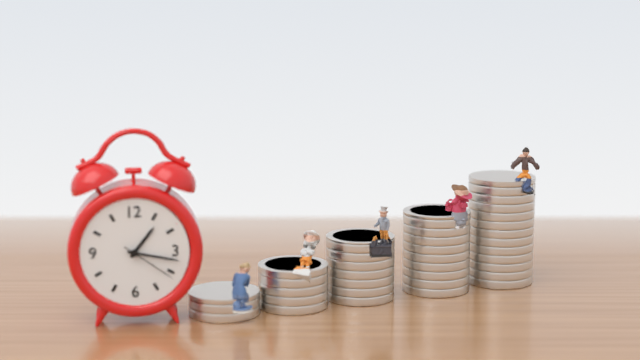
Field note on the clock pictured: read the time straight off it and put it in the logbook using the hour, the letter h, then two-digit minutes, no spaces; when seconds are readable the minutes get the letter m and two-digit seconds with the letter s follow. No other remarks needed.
1h17m21s
